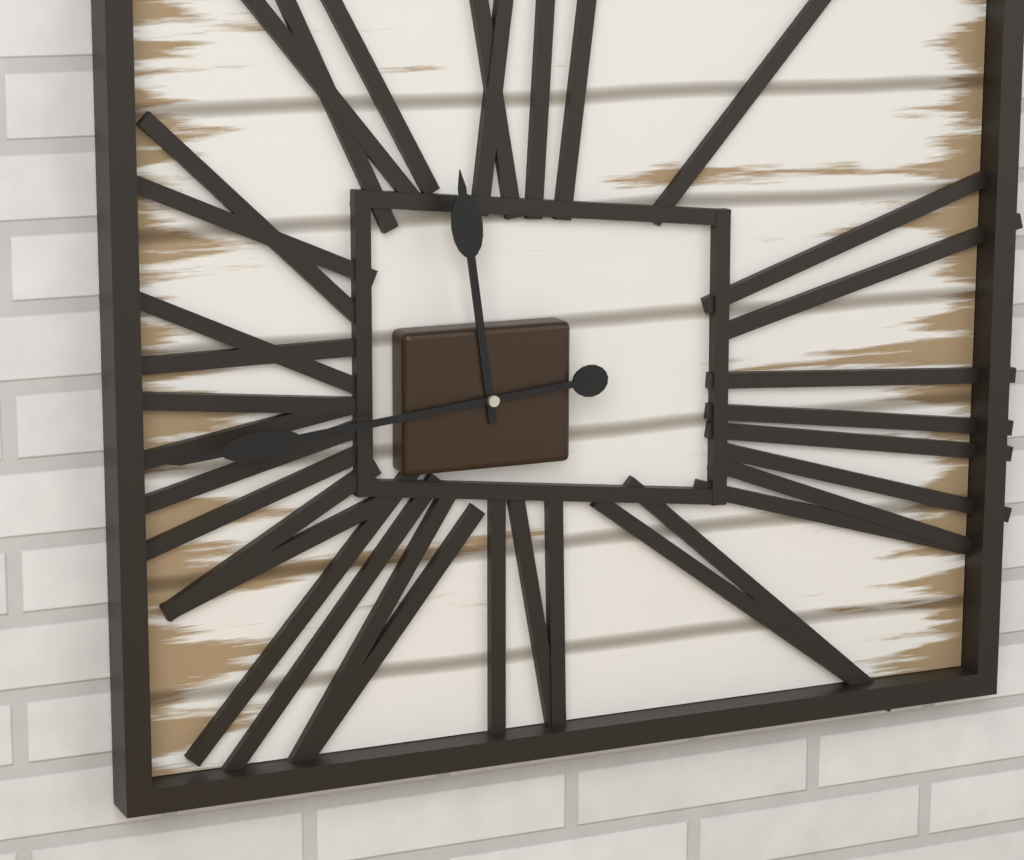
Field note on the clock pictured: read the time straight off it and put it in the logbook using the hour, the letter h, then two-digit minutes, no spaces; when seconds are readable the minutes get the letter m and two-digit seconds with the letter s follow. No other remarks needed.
11h44
